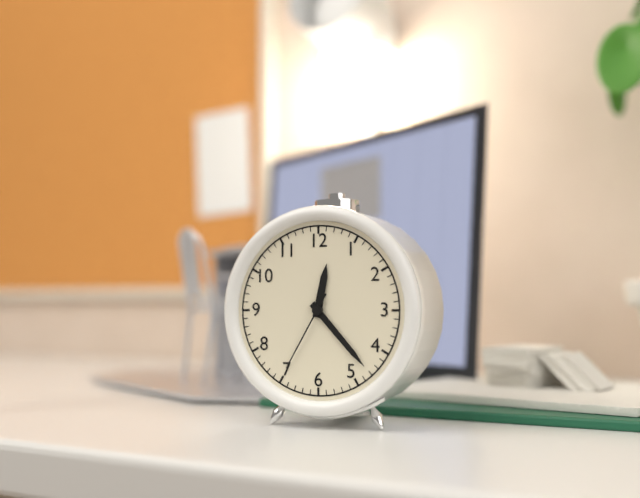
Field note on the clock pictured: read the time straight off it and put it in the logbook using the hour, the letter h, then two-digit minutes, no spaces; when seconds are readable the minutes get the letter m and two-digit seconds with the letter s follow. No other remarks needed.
12h23m35s
